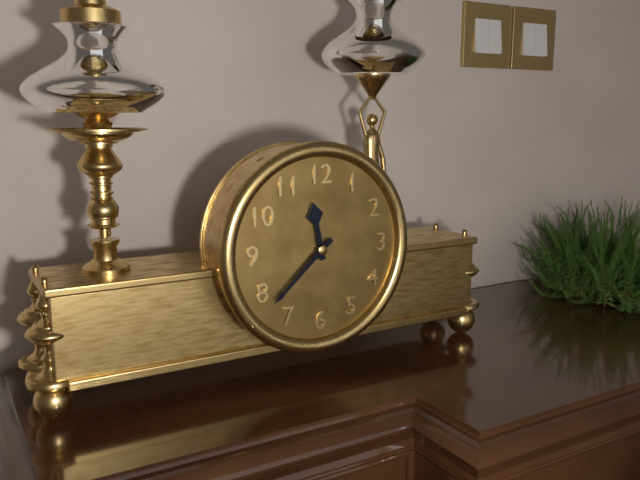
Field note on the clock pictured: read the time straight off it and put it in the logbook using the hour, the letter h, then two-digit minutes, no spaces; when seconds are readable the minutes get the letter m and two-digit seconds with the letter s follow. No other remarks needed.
11h38
